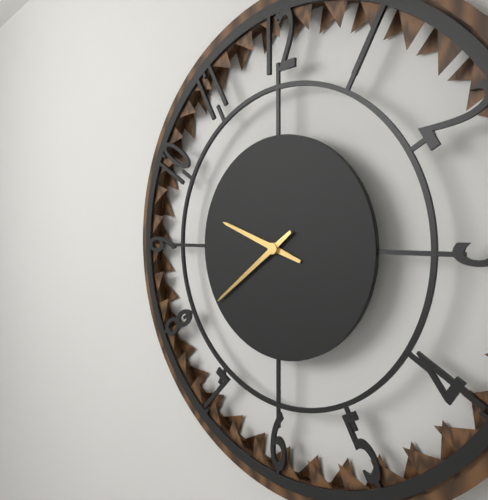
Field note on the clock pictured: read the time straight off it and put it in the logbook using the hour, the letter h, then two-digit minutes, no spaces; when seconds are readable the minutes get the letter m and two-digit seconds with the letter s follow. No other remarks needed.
9h39
